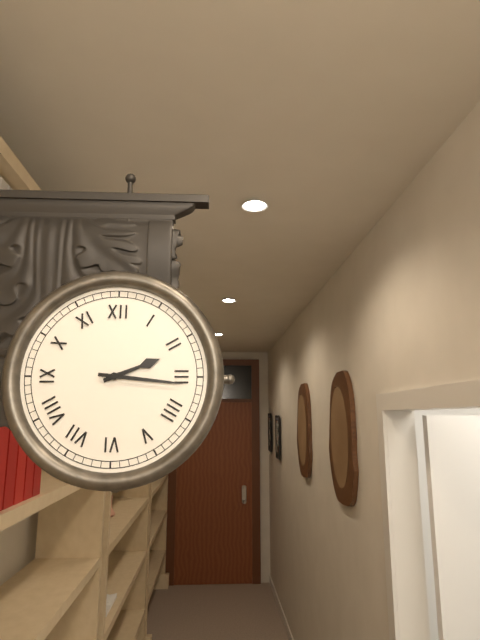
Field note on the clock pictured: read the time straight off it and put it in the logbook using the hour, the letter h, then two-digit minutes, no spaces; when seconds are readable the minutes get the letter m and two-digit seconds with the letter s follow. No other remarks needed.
2h16
